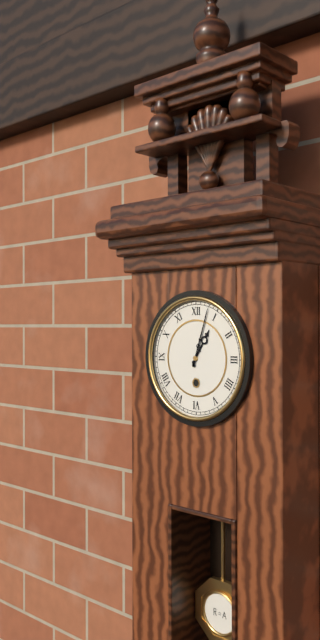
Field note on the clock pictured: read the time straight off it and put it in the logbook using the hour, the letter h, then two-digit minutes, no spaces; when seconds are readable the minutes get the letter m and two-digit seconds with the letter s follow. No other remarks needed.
1h03
